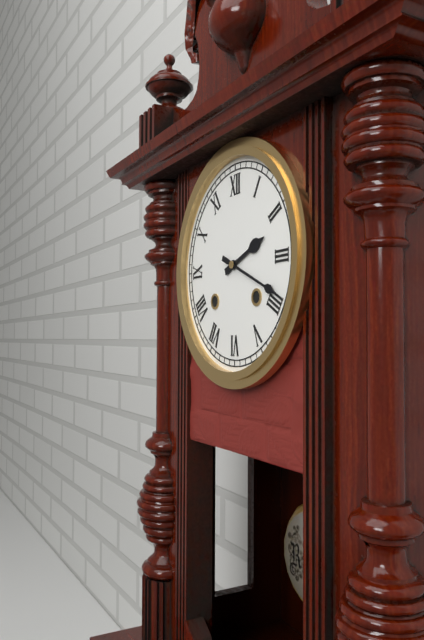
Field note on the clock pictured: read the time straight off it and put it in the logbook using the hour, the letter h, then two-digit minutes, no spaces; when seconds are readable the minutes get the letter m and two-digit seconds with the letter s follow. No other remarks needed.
2h19
